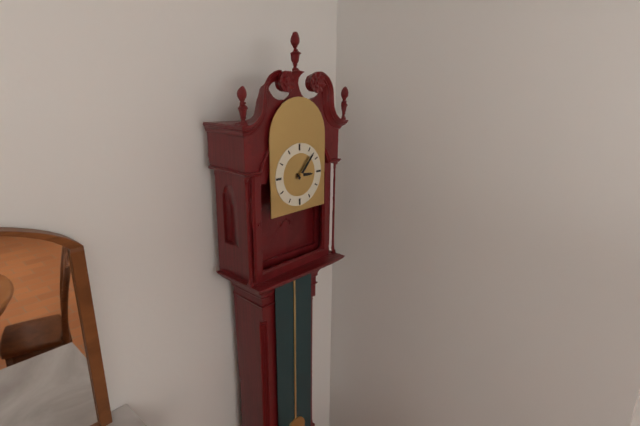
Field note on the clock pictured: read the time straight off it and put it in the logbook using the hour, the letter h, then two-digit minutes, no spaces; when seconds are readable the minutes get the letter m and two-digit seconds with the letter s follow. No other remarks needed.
3h07
